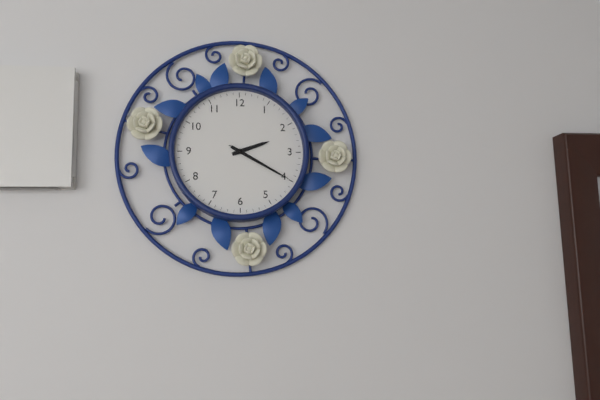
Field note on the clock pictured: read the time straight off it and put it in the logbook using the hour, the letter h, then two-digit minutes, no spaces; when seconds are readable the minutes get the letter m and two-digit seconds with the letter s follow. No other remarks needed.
2h20m20s
